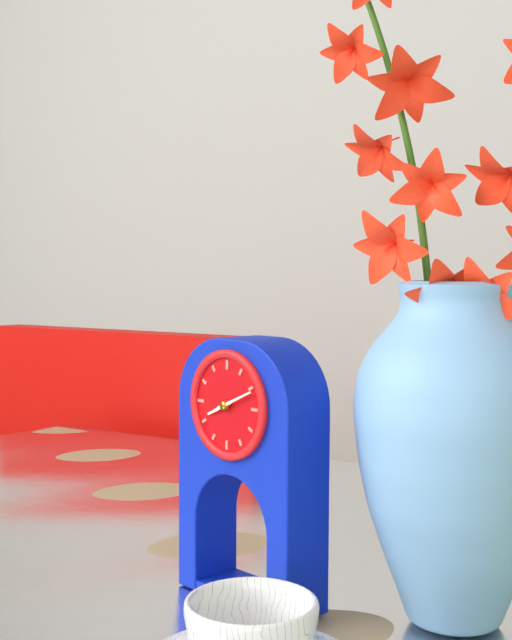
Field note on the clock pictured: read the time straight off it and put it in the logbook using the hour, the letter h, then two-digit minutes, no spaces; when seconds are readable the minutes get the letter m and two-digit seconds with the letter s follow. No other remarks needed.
8h11
